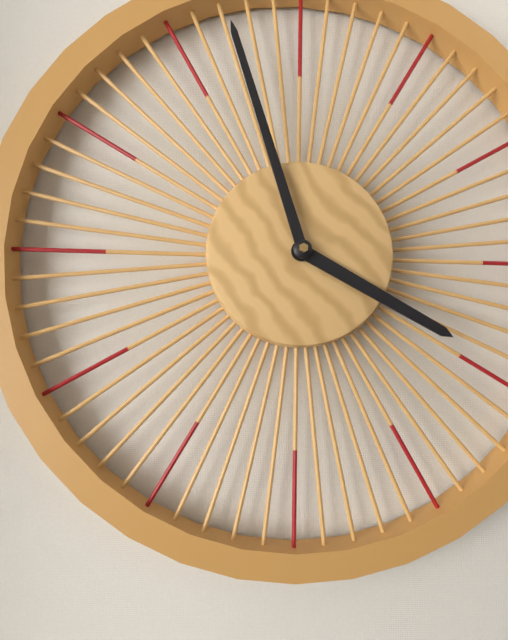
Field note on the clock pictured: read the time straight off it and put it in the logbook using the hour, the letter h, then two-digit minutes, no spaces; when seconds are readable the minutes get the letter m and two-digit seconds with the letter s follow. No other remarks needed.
3h57
